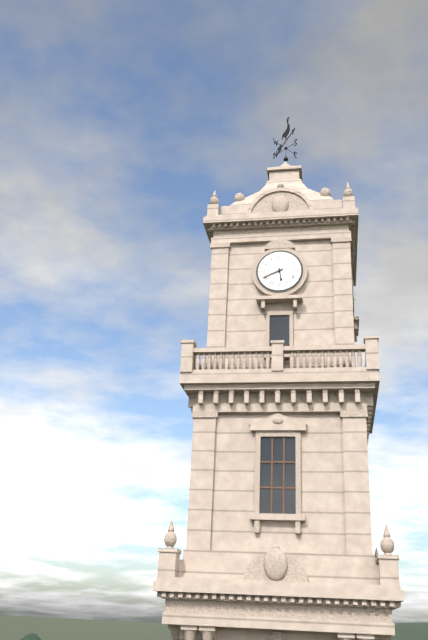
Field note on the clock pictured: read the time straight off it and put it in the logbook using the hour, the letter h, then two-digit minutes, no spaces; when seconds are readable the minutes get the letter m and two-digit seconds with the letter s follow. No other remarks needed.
5h41
